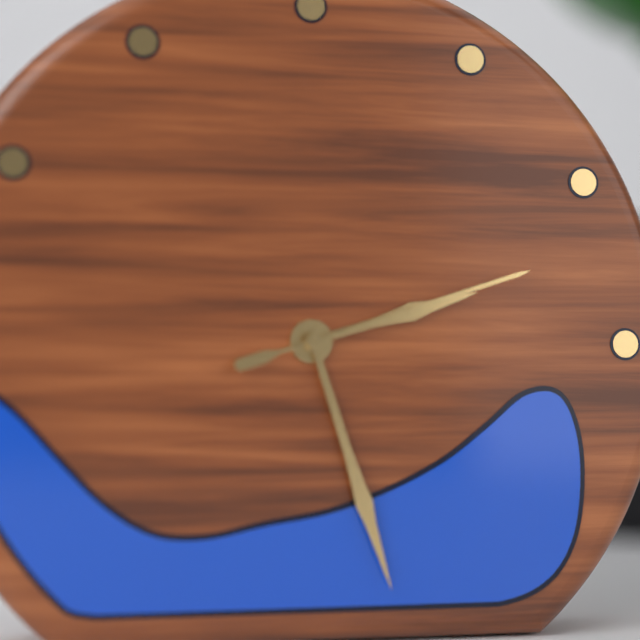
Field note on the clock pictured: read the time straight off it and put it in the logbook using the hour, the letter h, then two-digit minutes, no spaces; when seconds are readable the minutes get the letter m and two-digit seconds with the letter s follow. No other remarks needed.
2h27m12s
